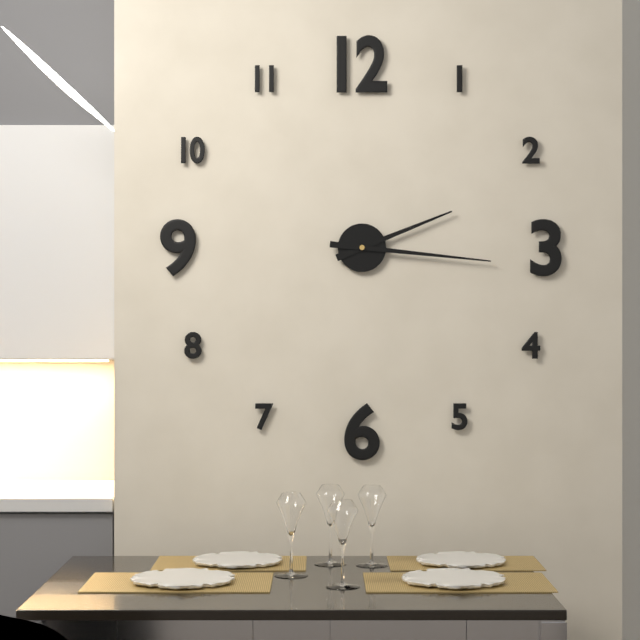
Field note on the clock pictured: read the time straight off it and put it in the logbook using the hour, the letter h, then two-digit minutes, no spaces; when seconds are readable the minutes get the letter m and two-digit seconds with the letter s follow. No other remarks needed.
2h16
